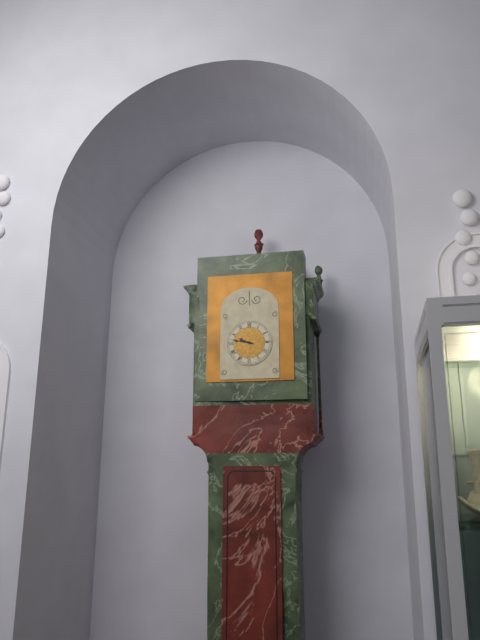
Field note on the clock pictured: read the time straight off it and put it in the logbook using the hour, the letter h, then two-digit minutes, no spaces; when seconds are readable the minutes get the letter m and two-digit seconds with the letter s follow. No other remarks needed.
9h47
